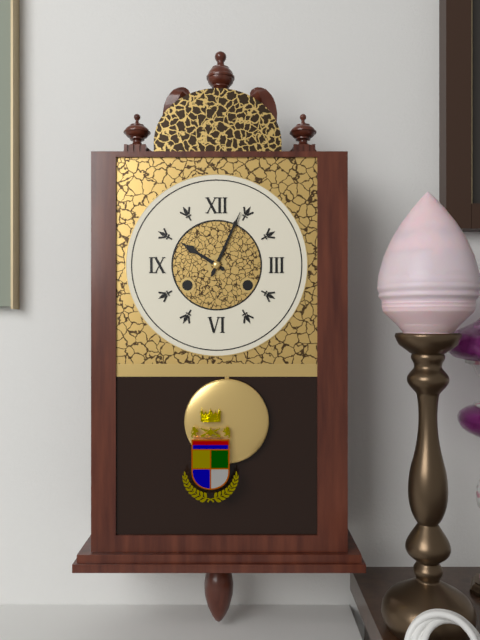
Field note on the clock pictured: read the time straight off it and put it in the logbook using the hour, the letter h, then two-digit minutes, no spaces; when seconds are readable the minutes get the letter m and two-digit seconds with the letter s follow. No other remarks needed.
10h04
